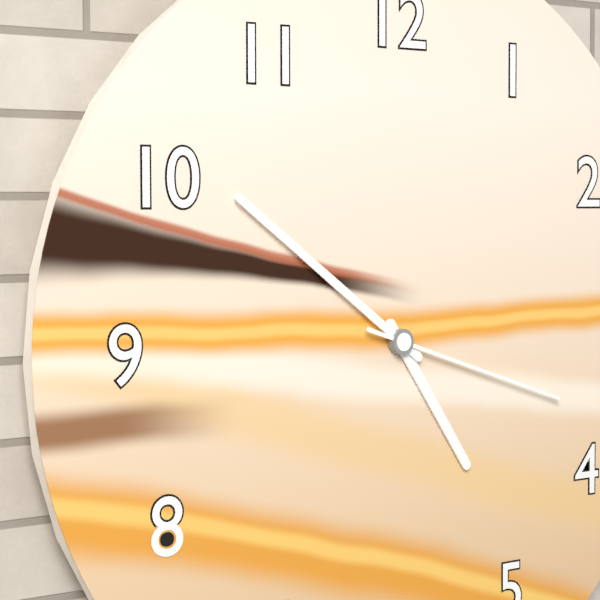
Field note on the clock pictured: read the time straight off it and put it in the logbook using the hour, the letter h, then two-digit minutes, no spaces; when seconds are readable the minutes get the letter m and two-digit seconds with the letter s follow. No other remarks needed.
4h51m18s
